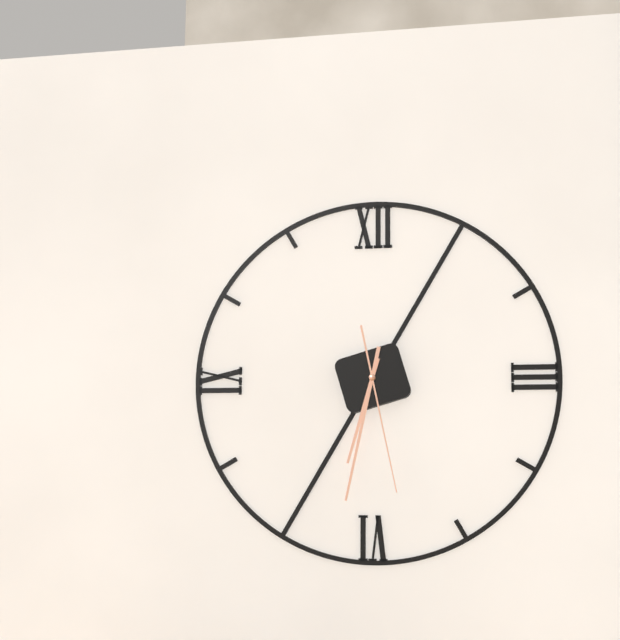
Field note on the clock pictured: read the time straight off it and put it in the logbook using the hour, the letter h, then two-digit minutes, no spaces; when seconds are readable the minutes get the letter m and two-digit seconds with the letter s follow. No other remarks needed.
6h32m28s
